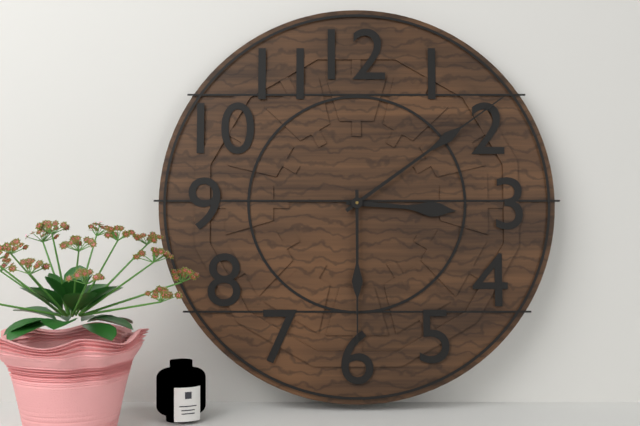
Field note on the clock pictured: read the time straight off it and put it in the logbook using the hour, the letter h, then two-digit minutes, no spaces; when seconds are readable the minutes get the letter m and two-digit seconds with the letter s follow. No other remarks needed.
3h09m30s
